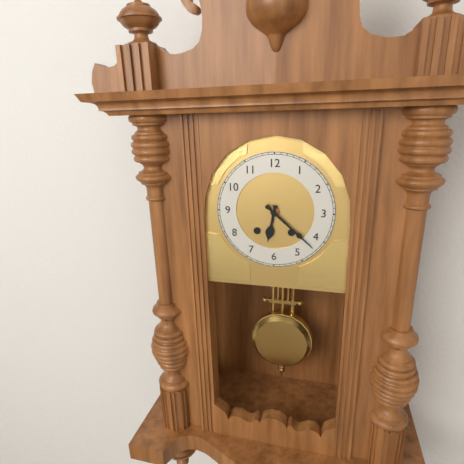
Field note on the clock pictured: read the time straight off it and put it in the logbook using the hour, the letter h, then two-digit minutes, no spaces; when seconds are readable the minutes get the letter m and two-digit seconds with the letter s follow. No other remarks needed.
6h22
